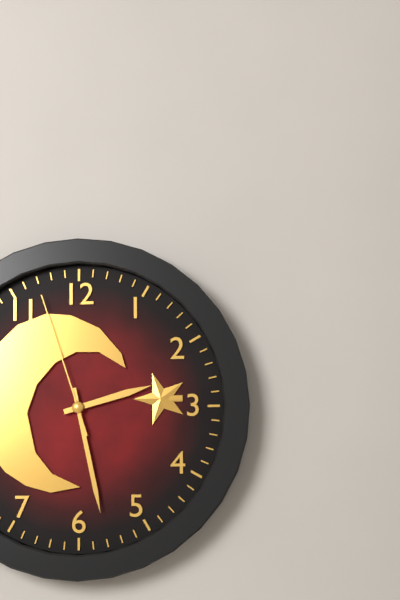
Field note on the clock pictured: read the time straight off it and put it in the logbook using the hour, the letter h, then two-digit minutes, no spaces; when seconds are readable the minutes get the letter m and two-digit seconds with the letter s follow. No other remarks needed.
2h28m57s
